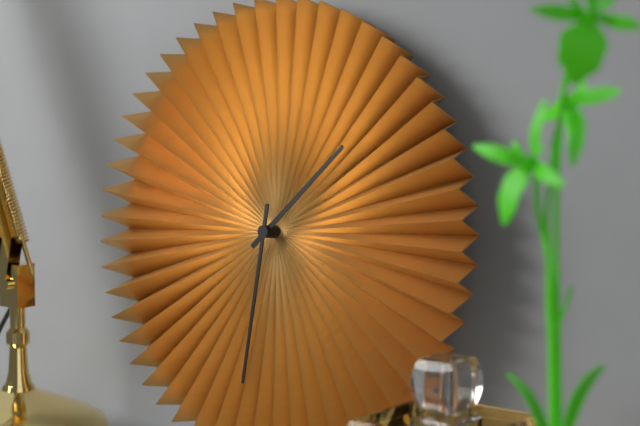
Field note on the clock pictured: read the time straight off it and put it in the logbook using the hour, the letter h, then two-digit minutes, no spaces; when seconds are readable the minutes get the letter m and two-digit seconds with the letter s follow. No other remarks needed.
1h31
